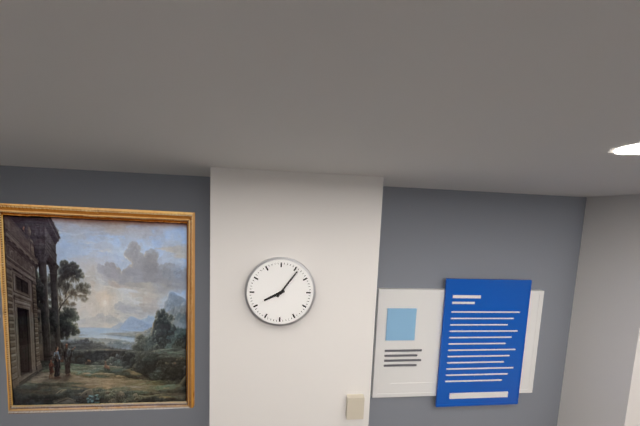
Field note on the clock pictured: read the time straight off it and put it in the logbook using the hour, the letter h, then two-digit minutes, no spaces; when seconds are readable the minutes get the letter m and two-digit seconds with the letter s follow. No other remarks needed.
8h06
